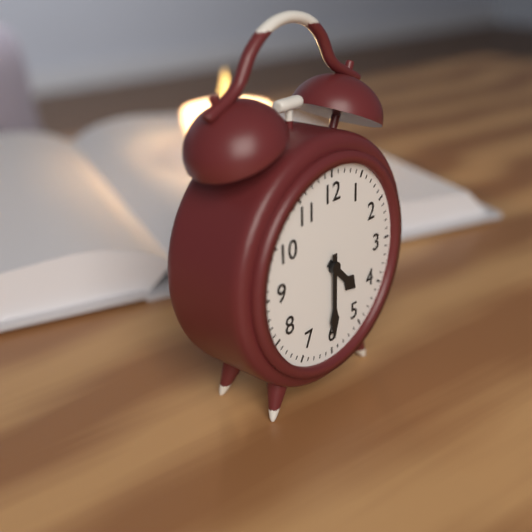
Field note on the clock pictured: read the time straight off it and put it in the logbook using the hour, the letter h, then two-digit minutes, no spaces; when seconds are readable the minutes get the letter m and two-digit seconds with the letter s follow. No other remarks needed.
4h30
